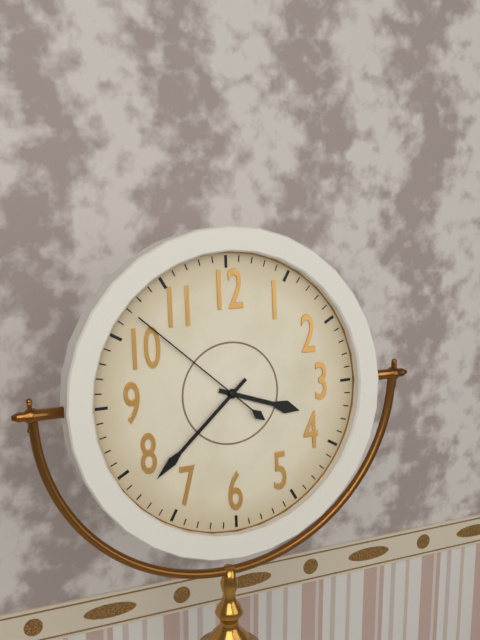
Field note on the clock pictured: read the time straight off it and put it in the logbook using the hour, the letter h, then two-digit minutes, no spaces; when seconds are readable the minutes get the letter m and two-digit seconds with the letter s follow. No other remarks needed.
3h38m52s
